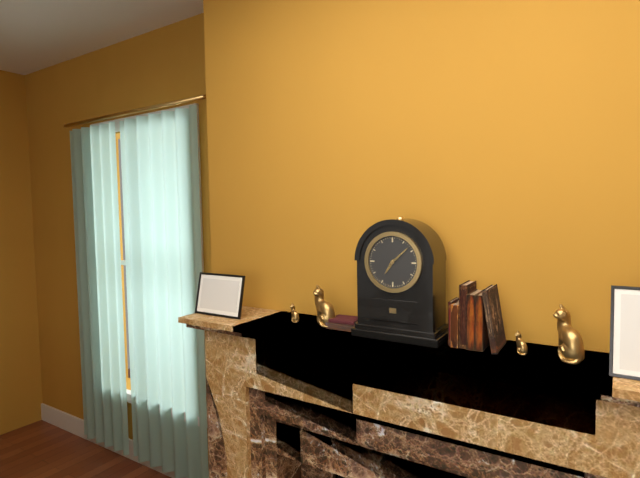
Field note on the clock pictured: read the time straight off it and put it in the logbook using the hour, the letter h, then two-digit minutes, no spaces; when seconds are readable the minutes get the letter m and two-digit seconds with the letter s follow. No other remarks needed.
7h08
